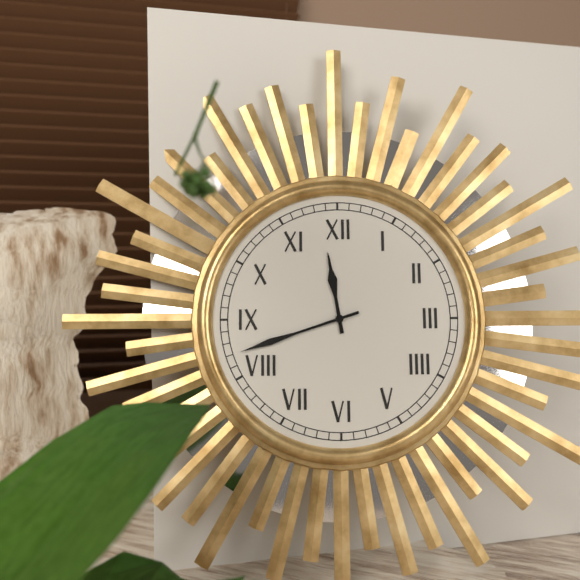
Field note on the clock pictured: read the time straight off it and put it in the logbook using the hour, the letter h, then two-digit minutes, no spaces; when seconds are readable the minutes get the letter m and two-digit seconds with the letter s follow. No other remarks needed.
11h42
